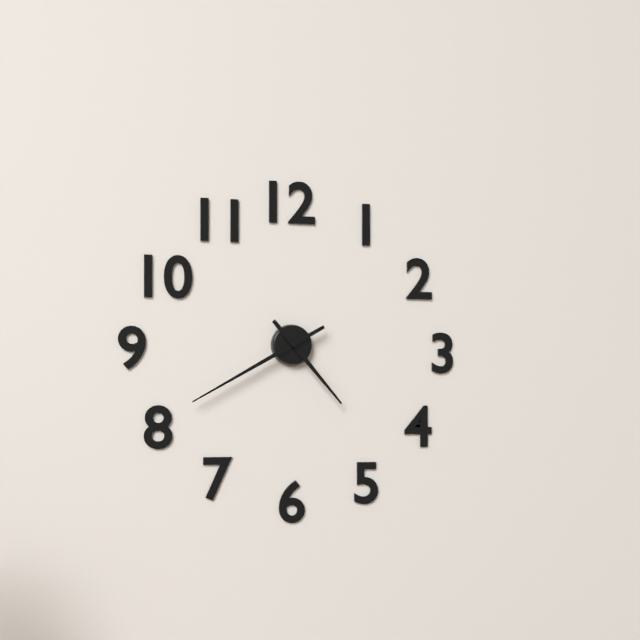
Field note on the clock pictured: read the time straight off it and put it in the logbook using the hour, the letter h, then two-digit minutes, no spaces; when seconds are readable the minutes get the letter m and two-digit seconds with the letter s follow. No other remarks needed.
4h40
